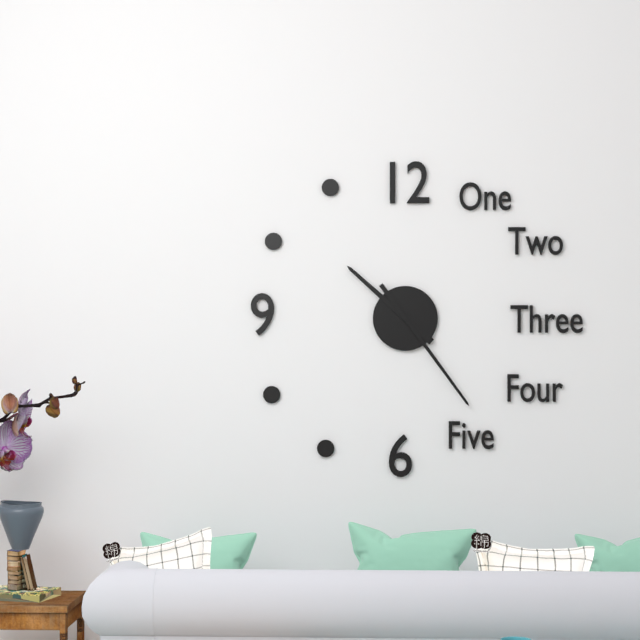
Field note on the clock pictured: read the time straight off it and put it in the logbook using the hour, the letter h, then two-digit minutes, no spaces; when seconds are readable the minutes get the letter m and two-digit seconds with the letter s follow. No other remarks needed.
10h24
